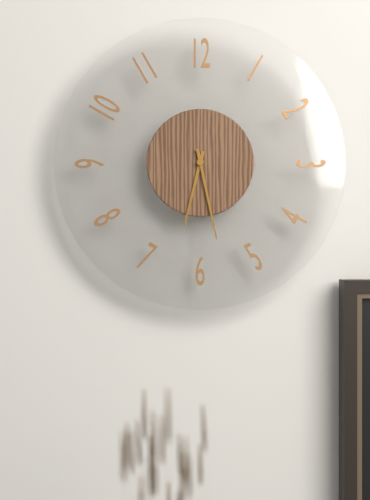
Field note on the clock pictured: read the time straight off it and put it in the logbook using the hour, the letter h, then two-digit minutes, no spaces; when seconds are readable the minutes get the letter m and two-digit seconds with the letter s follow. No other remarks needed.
6h28
